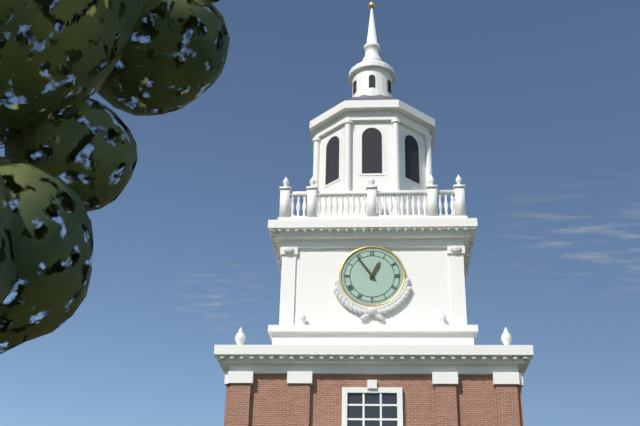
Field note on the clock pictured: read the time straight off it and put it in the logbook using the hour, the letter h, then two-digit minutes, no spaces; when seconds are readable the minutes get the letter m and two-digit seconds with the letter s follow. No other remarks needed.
12h54
